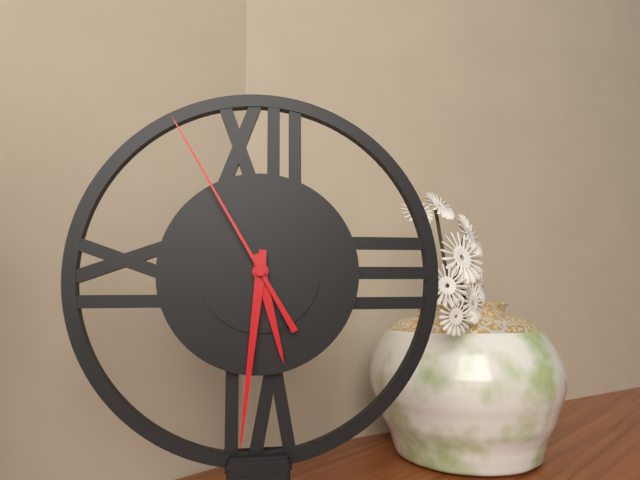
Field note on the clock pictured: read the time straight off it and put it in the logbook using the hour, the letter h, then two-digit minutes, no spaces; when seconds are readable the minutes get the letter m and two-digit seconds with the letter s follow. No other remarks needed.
5h31m55s
